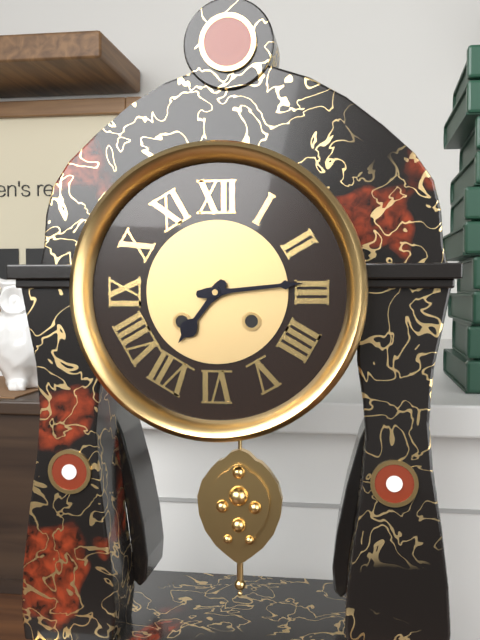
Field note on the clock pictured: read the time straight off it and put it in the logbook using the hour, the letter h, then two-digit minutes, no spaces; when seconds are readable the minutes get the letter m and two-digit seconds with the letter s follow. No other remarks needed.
7h14
